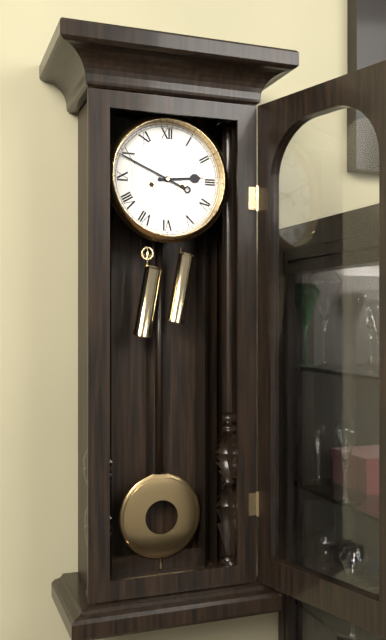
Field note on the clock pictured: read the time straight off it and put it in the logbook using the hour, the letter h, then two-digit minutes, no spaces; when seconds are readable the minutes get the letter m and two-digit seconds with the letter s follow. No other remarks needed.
2h49
